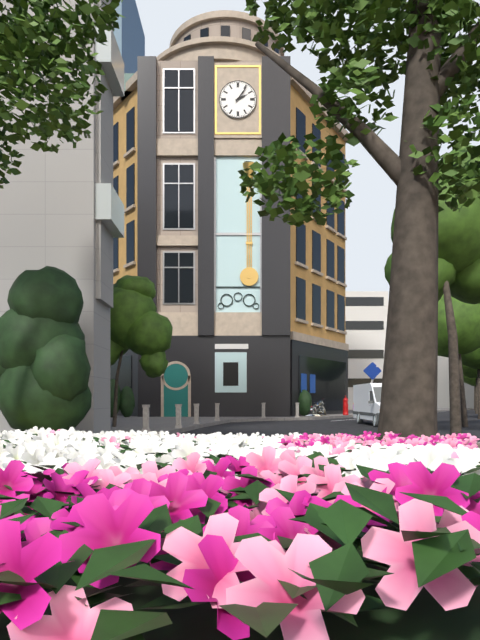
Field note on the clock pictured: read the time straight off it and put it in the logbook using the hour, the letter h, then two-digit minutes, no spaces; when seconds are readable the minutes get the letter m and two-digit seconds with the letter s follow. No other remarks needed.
2h06
